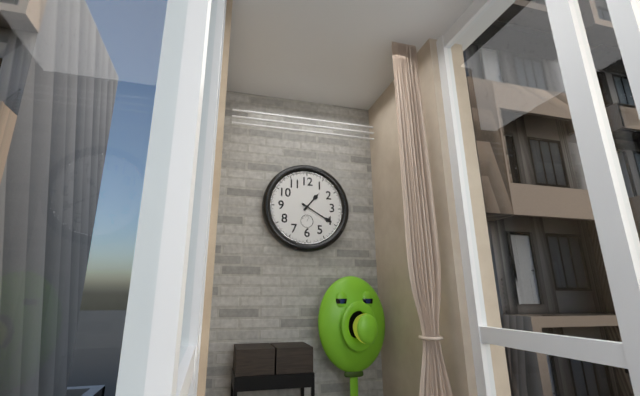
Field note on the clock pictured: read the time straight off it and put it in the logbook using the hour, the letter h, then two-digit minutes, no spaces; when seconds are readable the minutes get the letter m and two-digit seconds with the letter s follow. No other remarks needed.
1h20
